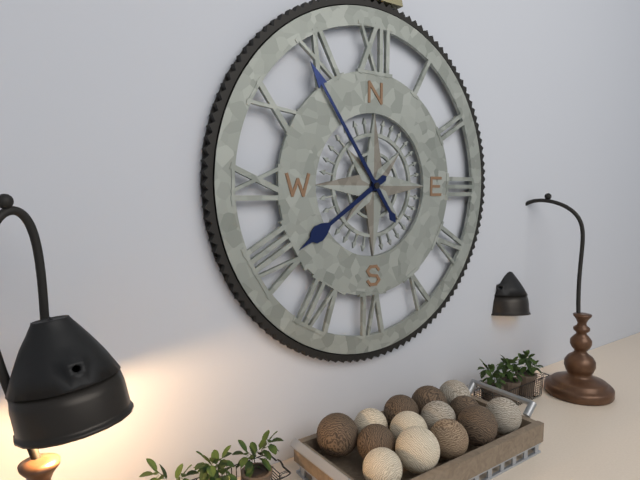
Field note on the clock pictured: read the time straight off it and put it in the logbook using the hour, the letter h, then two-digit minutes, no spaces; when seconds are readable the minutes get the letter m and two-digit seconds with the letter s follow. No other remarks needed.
7h54
